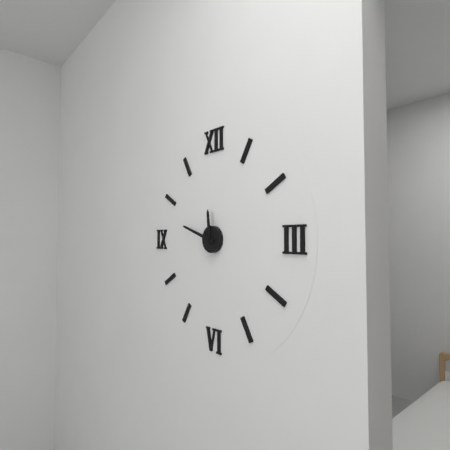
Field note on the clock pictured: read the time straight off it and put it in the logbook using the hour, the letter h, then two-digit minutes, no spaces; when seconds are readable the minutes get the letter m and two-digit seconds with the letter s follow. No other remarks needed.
11h48
